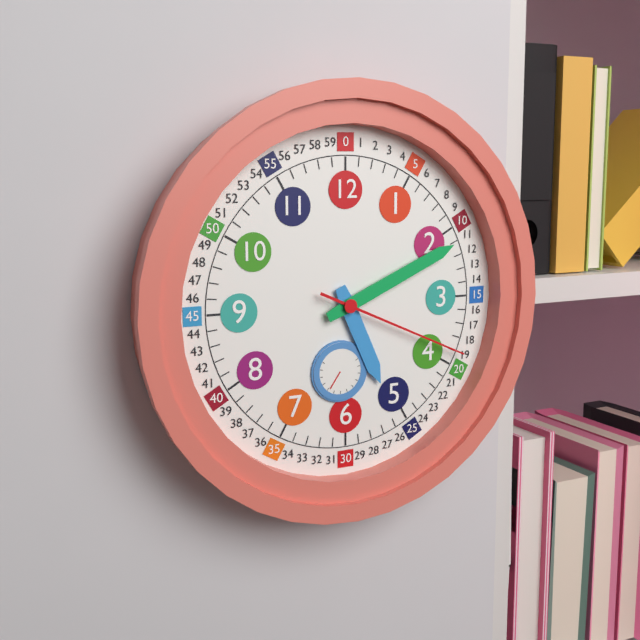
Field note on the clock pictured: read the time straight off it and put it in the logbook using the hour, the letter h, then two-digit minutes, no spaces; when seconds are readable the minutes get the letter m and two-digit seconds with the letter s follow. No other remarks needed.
5h11m19s
